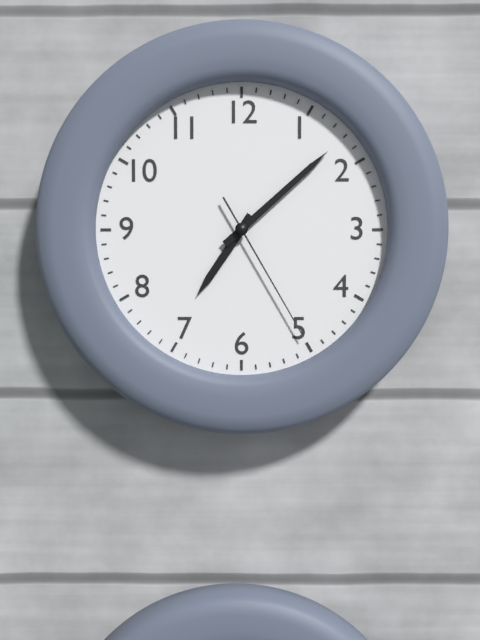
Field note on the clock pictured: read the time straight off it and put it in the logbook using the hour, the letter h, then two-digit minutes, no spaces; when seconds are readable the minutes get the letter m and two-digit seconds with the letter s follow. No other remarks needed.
7h08m25s
